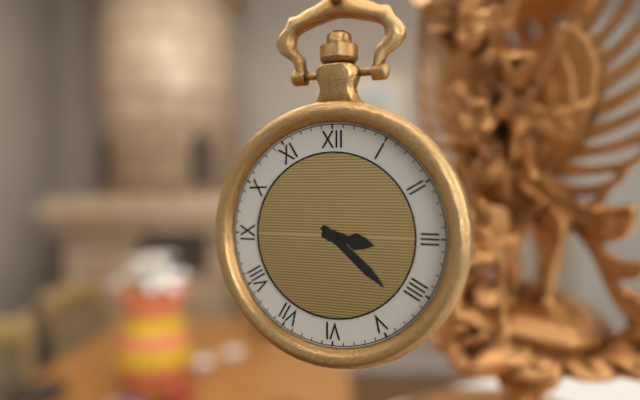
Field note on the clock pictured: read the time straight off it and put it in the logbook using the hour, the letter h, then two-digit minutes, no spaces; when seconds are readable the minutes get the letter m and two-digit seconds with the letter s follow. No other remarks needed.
3h22
